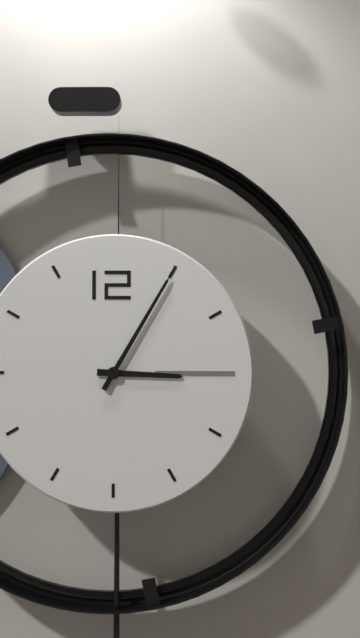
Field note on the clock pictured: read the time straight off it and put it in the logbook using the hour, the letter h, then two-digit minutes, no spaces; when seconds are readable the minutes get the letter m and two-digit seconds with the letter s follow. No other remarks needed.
3h05
